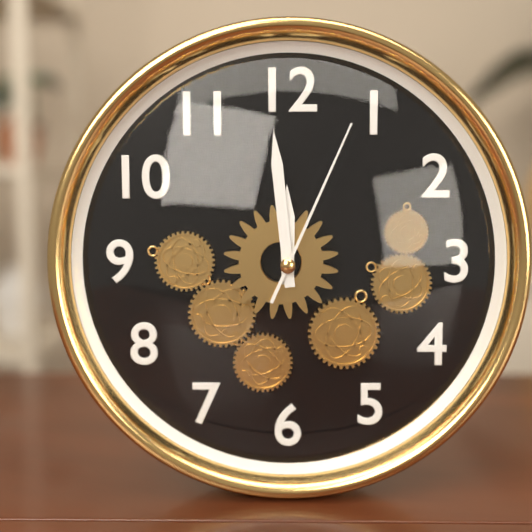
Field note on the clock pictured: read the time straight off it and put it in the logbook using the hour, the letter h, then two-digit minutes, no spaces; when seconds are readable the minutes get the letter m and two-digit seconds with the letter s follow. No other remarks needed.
11h59m04s
